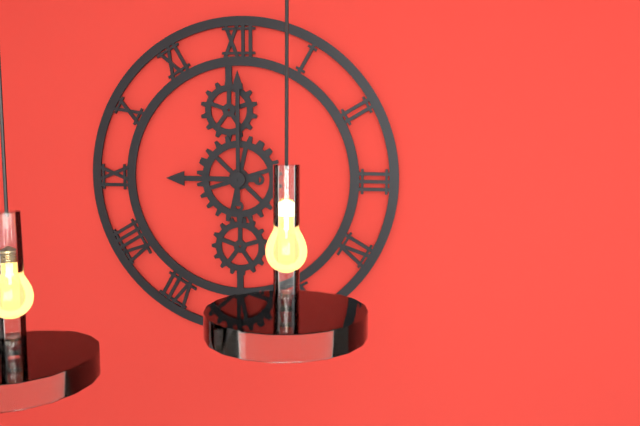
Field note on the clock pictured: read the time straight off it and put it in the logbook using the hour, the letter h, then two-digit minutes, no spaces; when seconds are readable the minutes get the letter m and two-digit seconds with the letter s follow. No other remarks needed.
9h00
